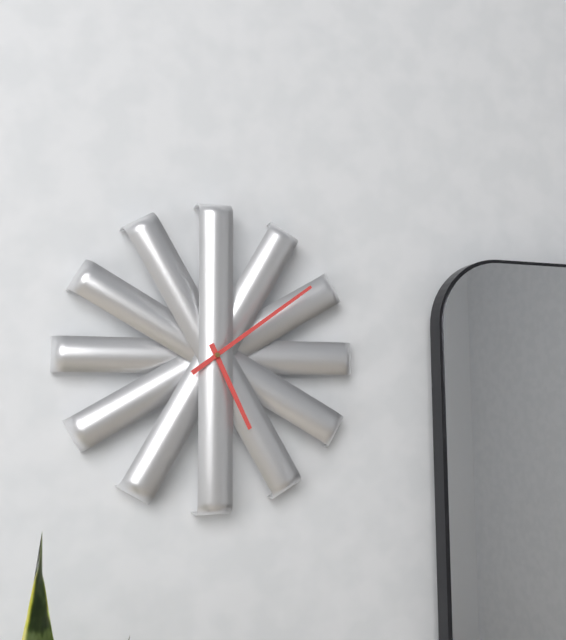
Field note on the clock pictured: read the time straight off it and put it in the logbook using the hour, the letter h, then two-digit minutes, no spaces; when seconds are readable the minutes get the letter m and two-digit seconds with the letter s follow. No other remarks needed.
5h09
